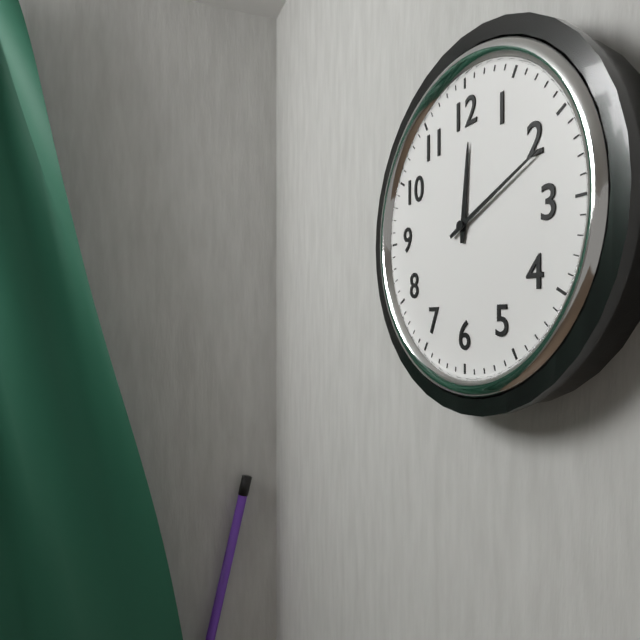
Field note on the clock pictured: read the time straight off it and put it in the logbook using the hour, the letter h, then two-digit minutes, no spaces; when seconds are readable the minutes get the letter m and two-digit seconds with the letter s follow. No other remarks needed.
12h11
